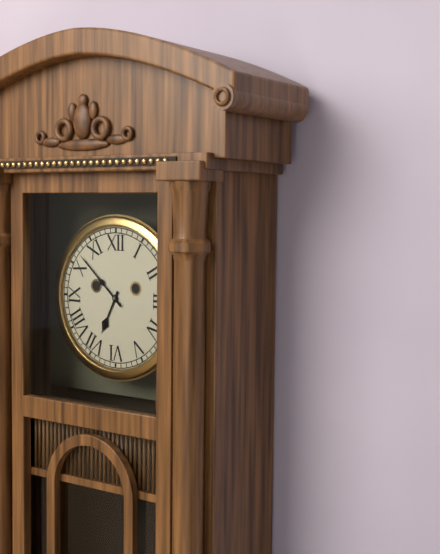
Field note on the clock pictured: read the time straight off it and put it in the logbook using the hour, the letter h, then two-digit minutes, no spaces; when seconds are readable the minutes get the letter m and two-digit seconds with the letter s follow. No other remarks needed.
6h52
